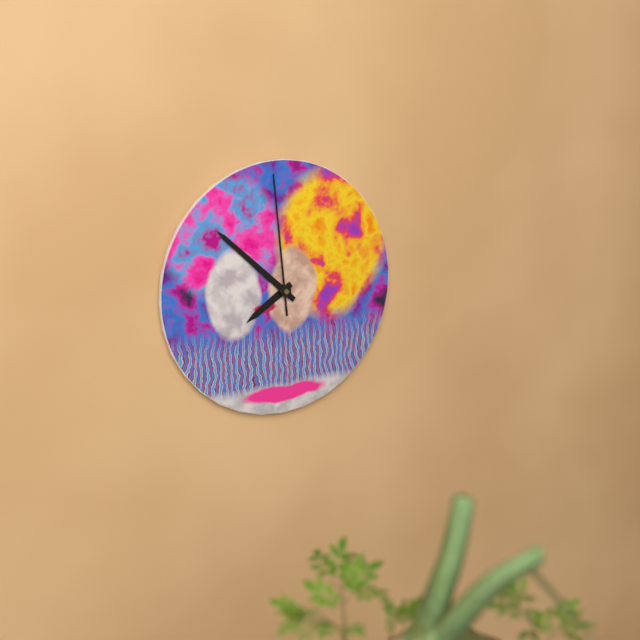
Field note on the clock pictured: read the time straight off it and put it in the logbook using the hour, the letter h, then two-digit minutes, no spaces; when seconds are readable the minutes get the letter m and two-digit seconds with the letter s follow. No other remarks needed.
7h52m59s
